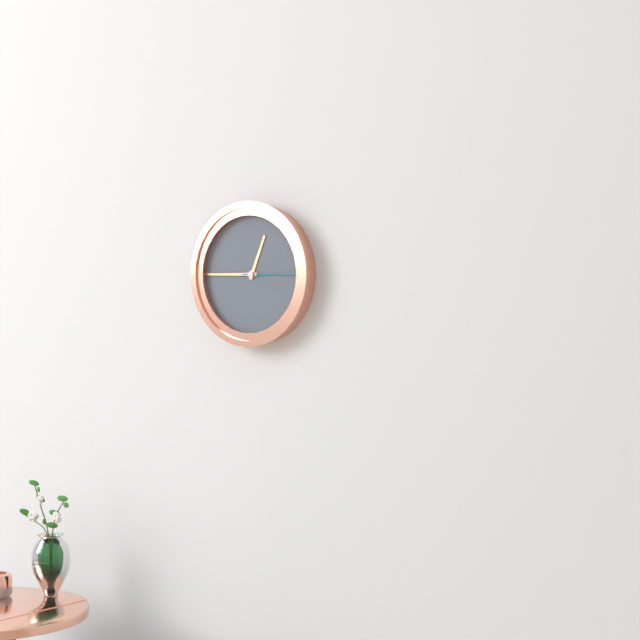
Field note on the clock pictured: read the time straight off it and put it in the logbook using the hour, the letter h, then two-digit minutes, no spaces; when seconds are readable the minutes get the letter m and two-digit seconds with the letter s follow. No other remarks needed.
12h45m15s
